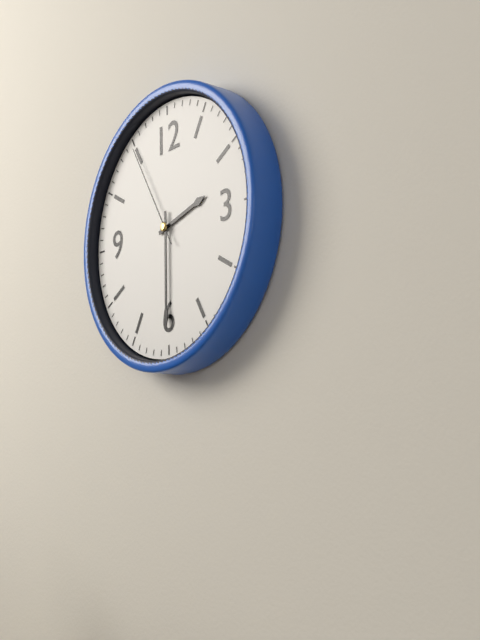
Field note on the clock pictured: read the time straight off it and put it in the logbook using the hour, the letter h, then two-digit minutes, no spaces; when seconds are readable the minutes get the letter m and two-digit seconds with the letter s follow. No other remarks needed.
2h30m55s
